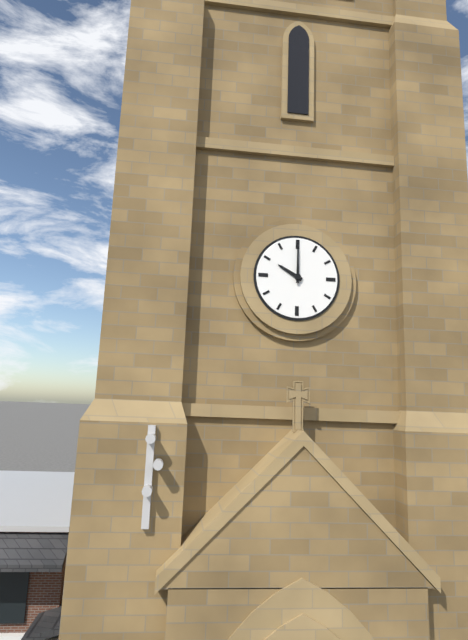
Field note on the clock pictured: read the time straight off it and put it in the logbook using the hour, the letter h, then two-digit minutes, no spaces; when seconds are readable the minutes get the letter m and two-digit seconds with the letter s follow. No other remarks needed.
10h00
